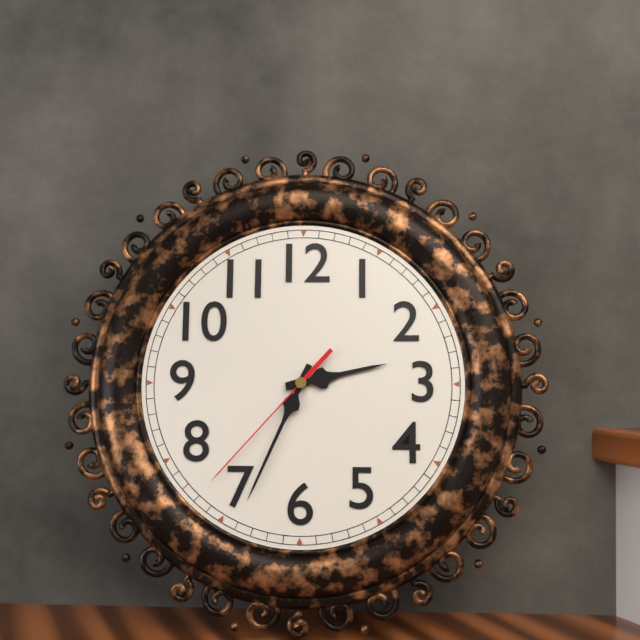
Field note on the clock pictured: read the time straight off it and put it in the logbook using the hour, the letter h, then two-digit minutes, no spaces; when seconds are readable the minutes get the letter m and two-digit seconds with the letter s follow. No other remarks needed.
2h34m37s
